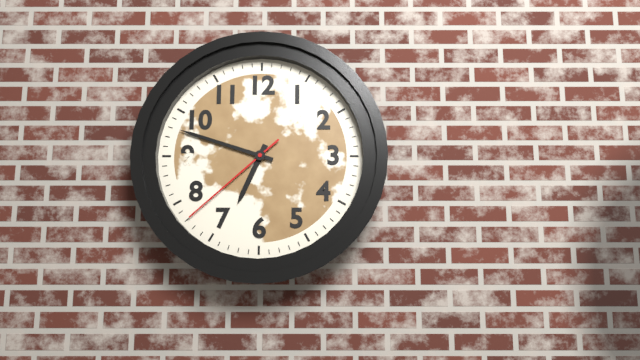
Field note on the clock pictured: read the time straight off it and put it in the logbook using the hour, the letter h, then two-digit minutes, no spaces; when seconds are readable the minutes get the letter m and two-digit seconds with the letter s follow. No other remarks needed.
6h48m38s
